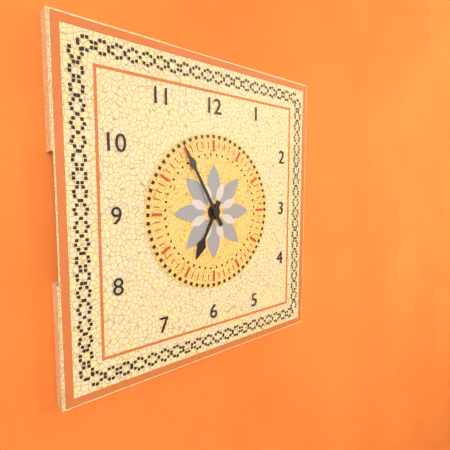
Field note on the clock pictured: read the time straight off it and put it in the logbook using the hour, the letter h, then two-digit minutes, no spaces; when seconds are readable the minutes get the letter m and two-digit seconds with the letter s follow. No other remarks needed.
6h55
